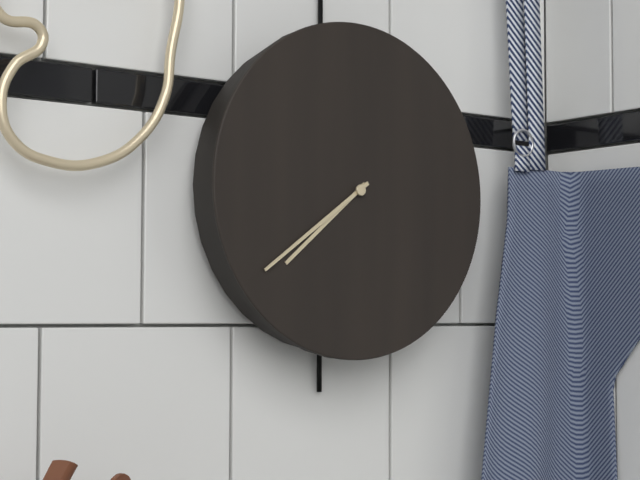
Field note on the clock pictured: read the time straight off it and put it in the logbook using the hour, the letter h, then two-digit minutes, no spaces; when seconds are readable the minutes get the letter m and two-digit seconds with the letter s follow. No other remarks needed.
7h39
